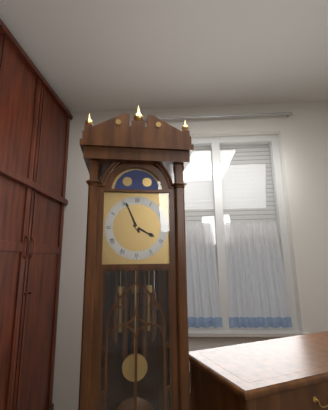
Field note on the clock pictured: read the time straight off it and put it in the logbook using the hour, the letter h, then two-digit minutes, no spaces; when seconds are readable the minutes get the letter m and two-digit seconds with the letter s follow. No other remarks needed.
3h56
